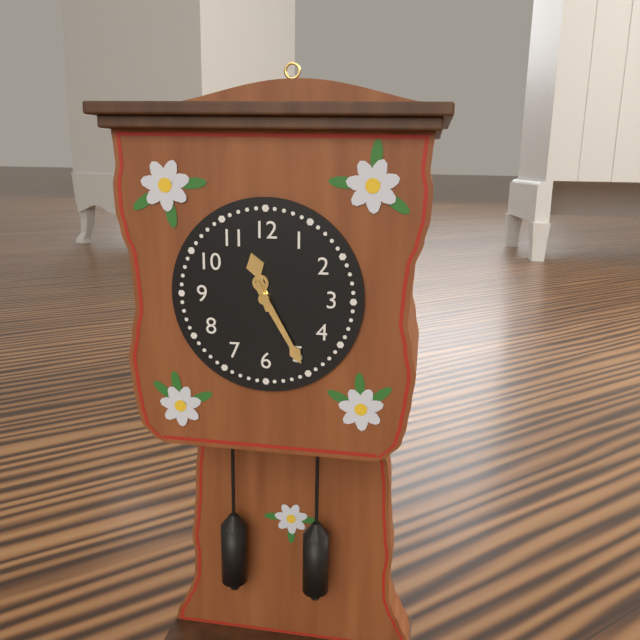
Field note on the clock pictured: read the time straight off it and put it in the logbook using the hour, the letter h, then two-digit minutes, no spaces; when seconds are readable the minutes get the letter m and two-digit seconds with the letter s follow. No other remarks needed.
11h25
